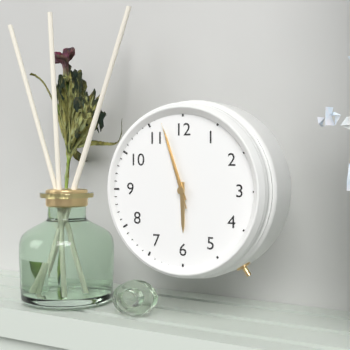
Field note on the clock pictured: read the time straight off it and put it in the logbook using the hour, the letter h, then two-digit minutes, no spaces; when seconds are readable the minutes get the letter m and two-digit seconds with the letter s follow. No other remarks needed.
5h57m57s
